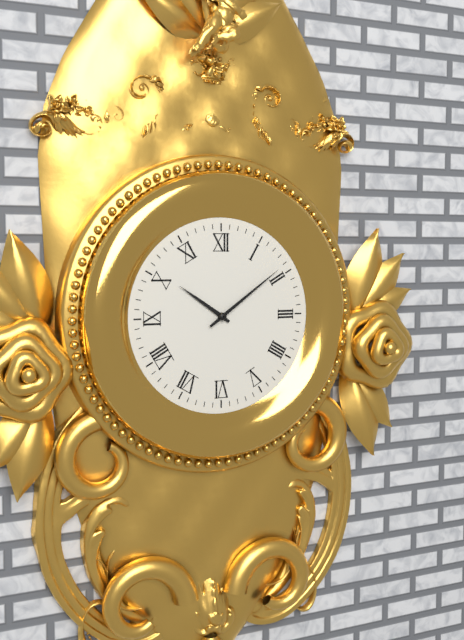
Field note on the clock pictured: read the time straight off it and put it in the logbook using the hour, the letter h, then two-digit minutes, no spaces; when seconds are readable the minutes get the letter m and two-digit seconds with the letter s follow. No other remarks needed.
10h09
